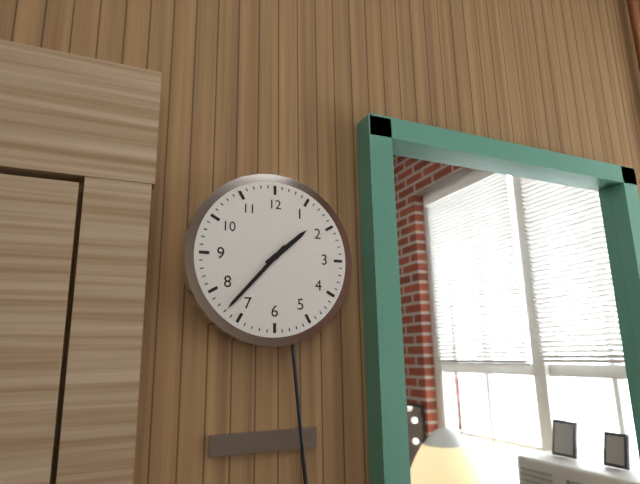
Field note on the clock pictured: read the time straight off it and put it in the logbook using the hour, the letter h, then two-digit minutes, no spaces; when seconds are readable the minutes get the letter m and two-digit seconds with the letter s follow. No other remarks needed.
1h37
